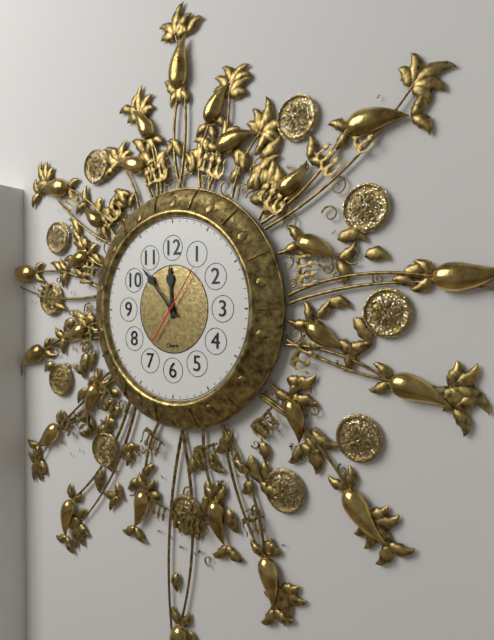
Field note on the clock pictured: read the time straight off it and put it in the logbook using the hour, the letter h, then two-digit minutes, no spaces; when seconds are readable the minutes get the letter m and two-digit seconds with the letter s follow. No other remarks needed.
11h53m06s
